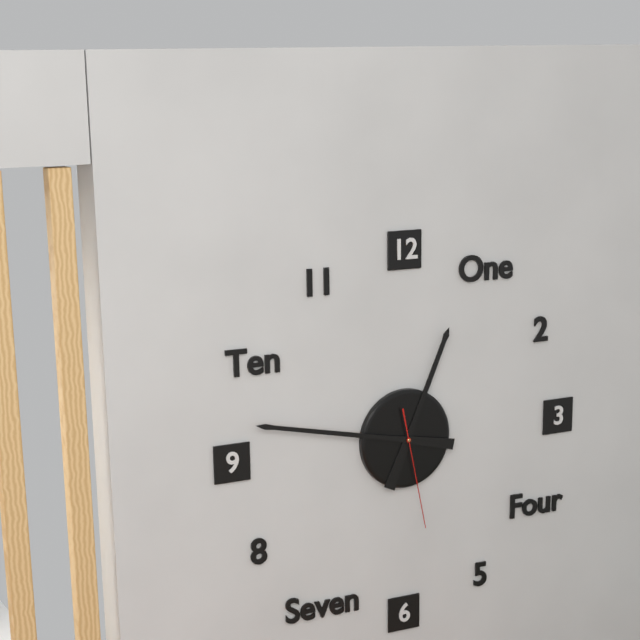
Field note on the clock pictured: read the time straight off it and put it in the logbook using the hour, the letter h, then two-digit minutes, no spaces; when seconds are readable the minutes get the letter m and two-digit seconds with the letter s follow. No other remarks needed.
12h47m28s
